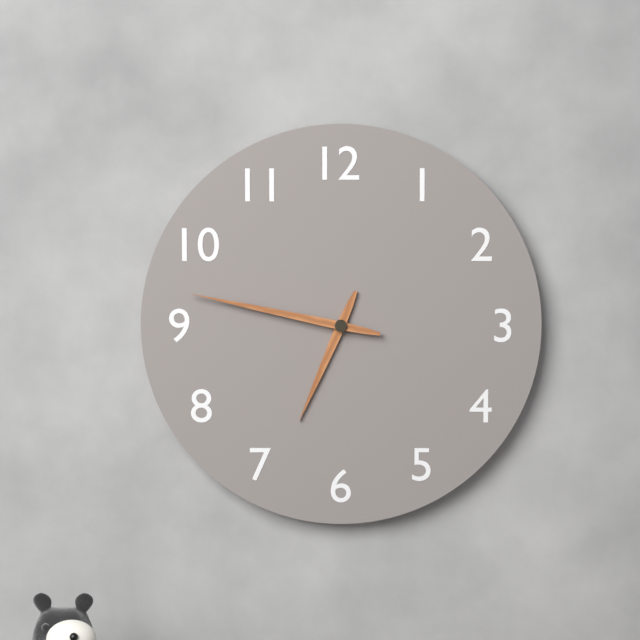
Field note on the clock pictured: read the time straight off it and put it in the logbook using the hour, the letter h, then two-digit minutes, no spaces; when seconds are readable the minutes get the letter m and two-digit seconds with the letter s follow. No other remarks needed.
6h47
